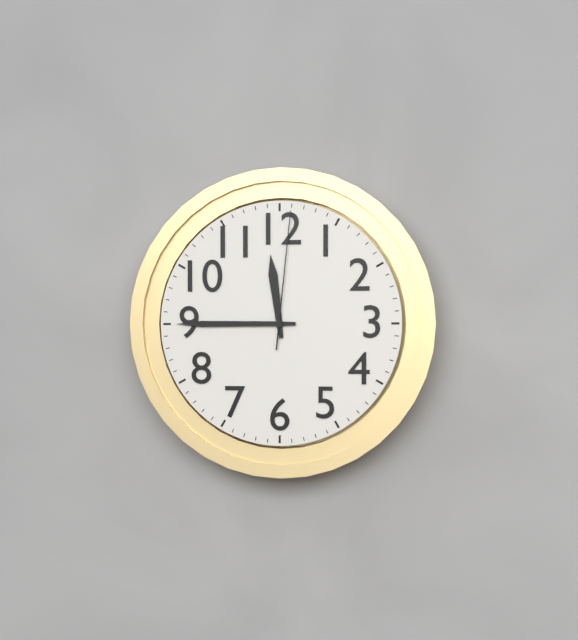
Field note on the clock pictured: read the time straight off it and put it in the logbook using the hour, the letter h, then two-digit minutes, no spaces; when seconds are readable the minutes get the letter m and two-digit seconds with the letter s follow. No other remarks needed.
11h45m01s
